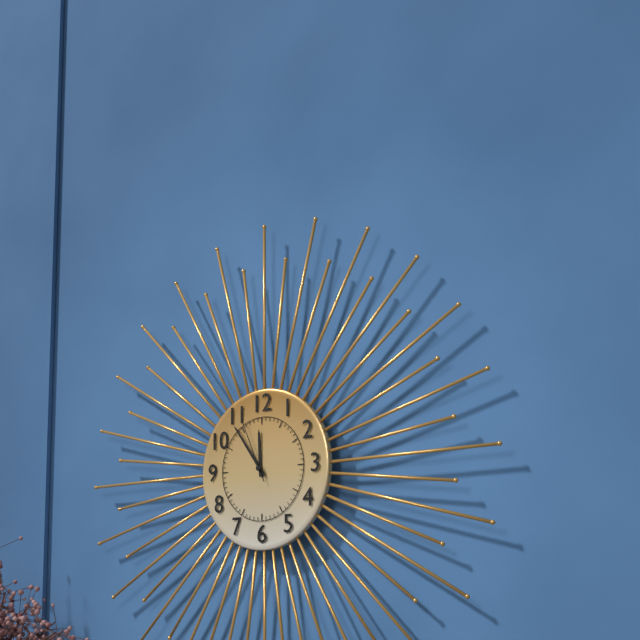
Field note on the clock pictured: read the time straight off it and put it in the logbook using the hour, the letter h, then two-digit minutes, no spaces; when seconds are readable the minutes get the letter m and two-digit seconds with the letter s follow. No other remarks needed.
11h54m56s
